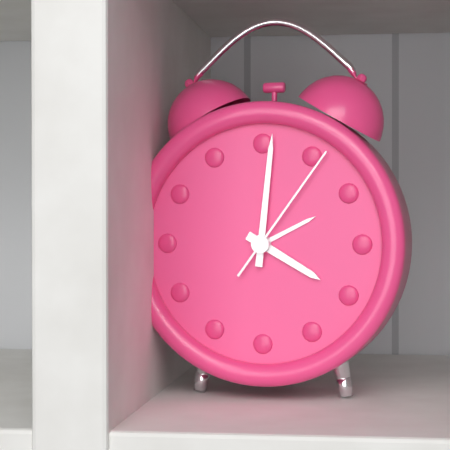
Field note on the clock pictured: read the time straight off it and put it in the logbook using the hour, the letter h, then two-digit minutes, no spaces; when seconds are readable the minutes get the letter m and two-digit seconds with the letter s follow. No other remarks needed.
4h01m06s
